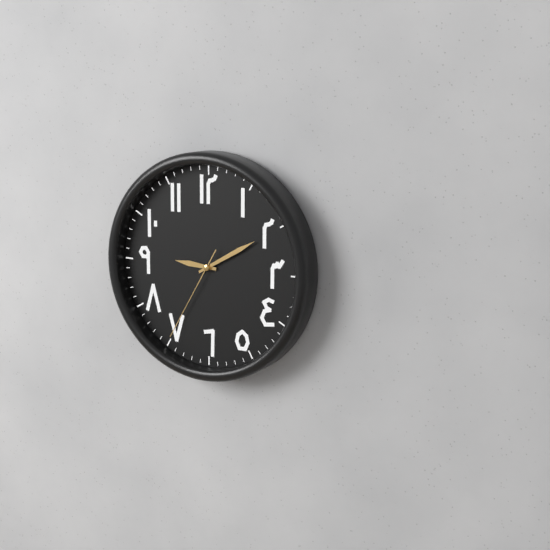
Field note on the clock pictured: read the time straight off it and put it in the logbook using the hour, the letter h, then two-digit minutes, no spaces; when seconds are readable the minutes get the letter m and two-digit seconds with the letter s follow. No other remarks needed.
9h10m35s
